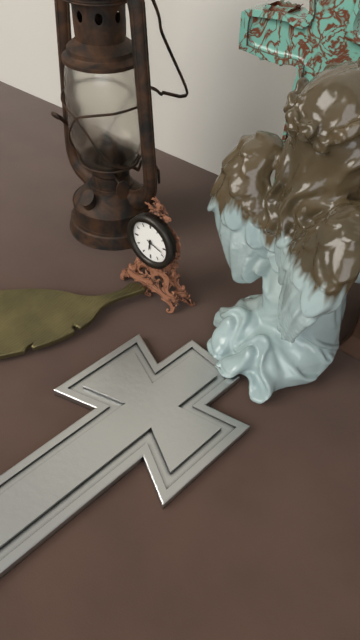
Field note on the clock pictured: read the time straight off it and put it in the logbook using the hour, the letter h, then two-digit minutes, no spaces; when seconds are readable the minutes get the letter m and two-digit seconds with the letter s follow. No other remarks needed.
6h18
